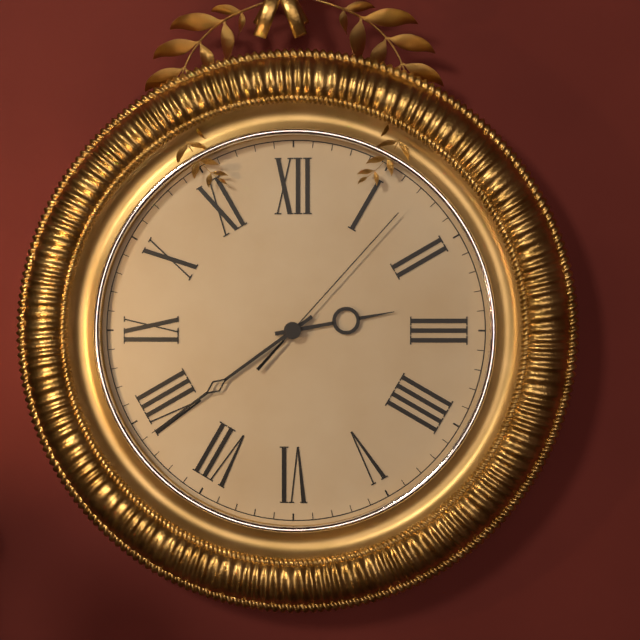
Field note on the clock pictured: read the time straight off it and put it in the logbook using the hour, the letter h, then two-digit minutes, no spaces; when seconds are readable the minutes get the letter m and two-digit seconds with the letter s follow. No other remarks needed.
2h39m07s
